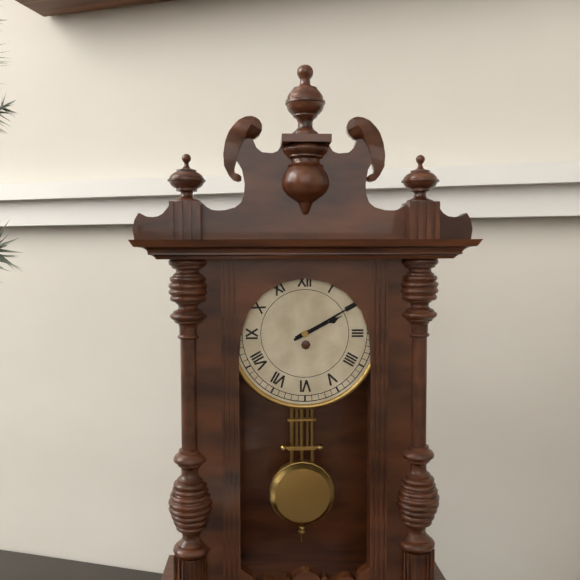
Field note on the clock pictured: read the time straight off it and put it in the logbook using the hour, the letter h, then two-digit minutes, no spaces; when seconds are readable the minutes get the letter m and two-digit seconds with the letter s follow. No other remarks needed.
2h10
